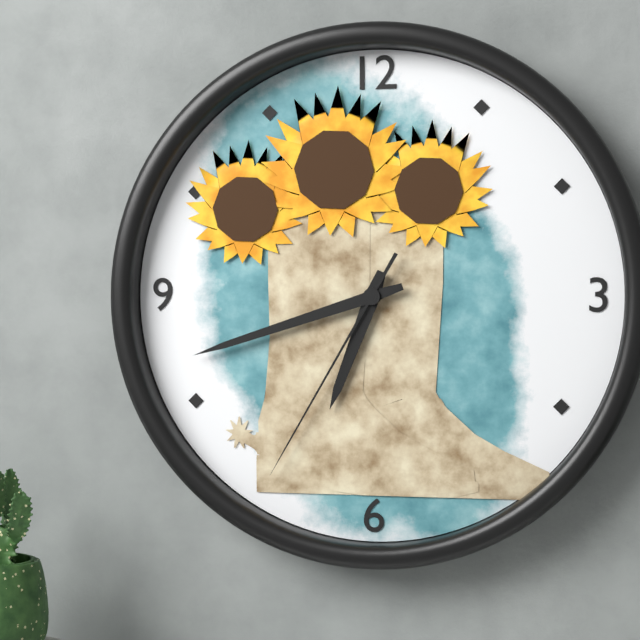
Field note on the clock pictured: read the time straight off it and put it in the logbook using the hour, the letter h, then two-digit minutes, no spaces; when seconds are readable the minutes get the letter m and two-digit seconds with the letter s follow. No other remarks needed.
6h42m35s
